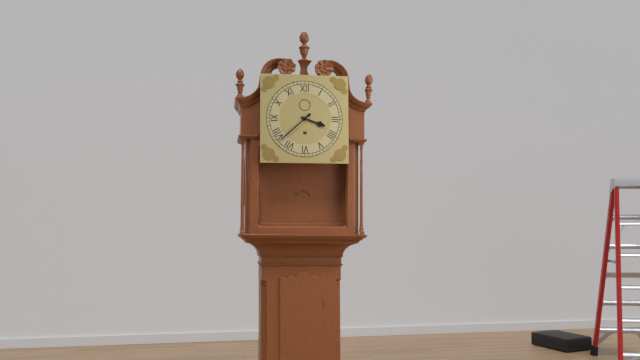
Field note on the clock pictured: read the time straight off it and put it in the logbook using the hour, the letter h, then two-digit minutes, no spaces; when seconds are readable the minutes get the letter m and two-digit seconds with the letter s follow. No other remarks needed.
3h38
